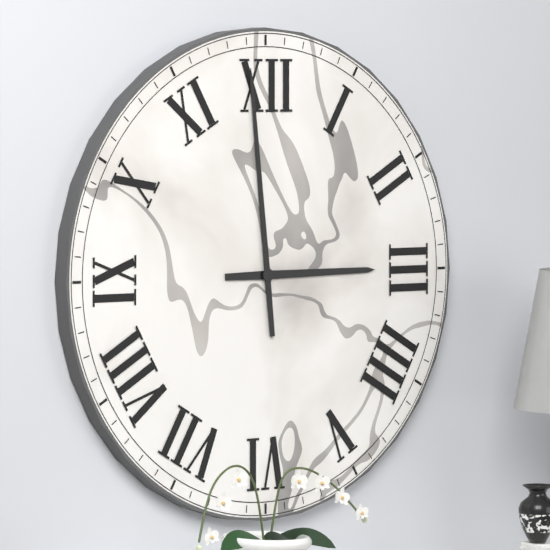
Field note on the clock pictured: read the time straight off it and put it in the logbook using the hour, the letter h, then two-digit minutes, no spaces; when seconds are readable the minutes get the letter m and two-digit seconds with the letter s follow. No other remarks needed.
2h59
